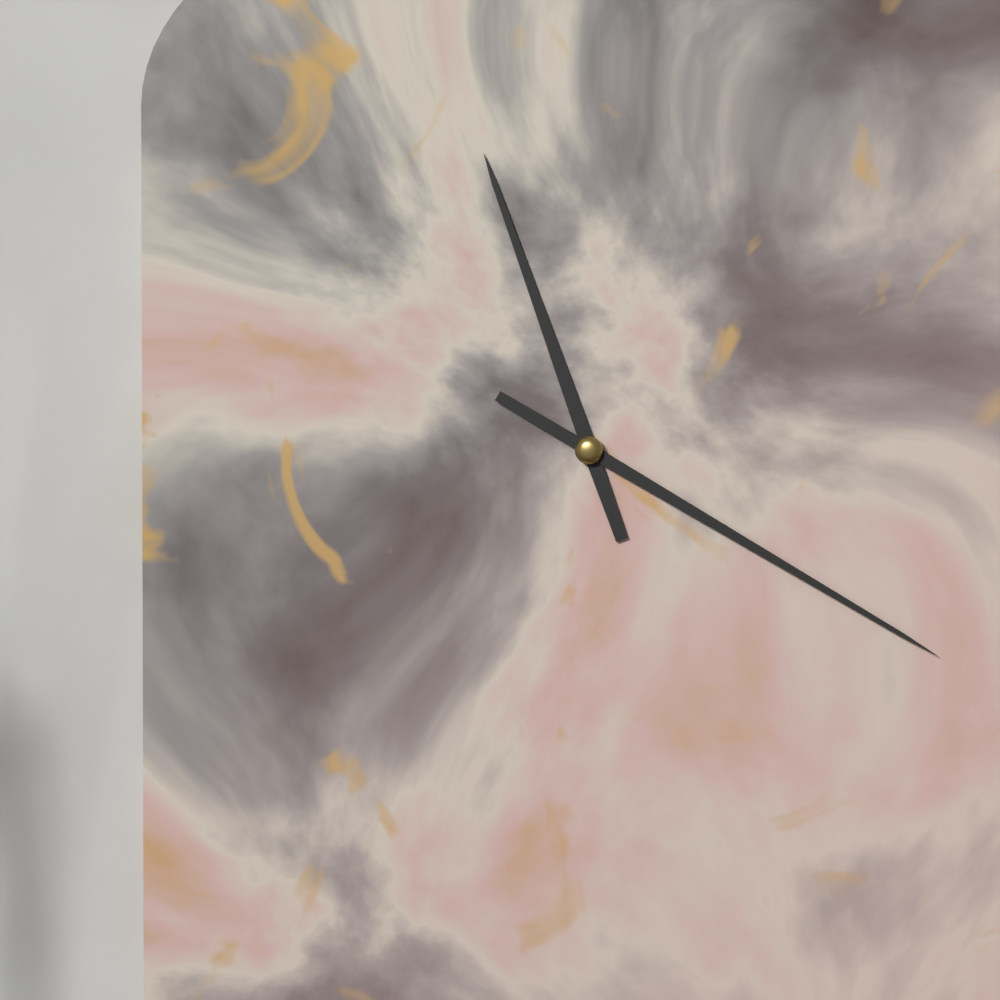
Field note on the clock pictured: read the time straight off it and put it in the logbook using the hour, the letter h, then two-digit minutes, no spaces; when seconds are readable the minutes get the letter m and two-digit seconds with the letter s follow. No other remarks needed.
11h20
